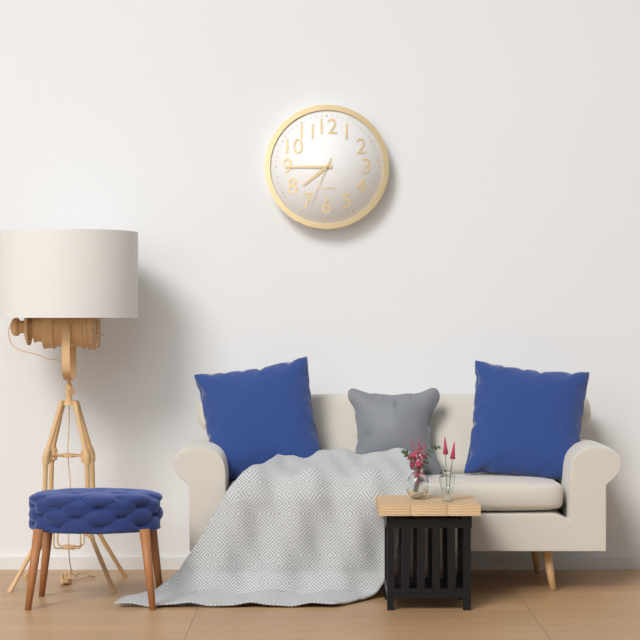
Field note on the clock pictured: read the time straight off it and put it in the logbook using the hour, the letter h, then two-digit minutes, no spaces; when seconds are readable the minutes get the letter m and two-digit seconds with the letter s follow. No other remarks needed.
7h45
